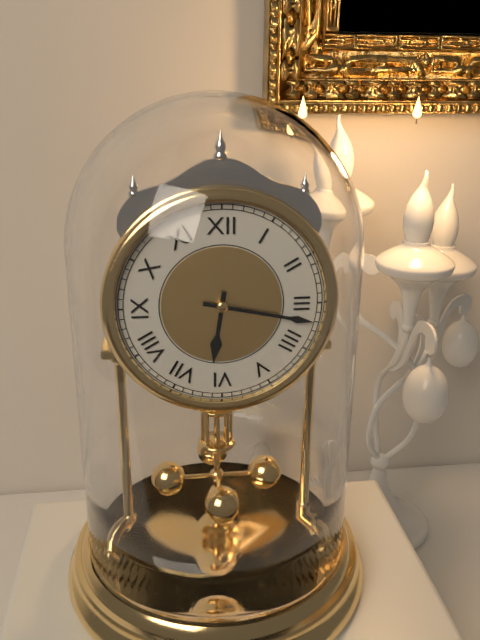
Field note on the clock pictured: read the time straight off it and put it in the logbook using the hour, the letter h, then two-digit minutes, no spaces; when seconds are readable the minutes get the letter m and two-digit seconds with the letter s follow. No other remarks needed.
6h17
